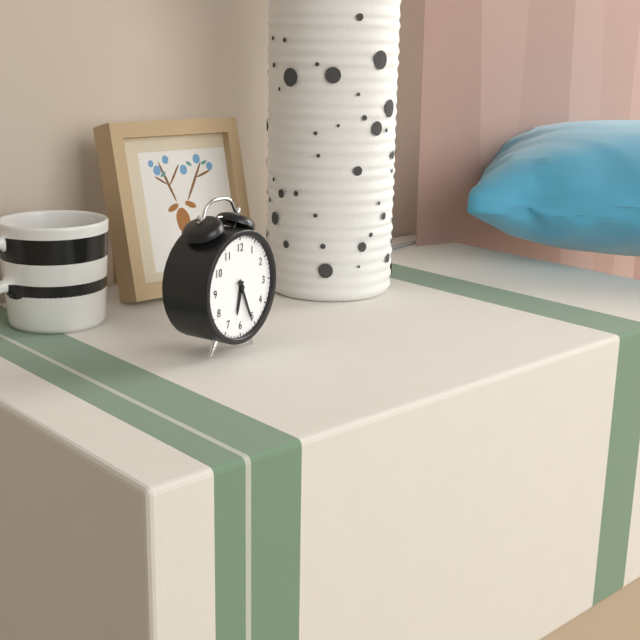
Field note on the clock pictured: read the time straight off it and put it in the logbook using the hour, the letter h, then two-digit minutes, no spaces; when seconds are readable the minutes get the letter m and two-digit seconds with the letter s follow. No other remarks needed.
6h26
